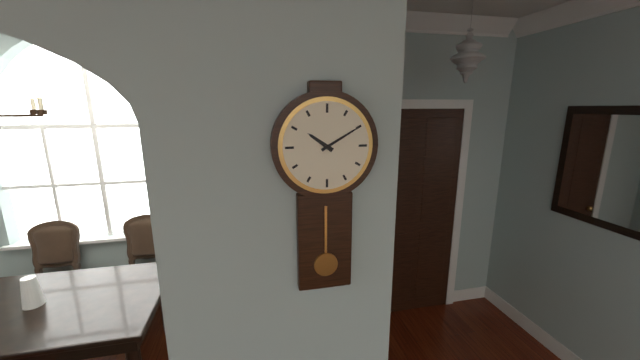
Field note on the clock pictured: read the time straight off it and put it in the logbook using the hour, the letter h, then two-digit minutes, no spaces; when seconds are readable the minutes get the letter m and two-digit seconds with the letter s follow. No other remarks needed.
10h10
